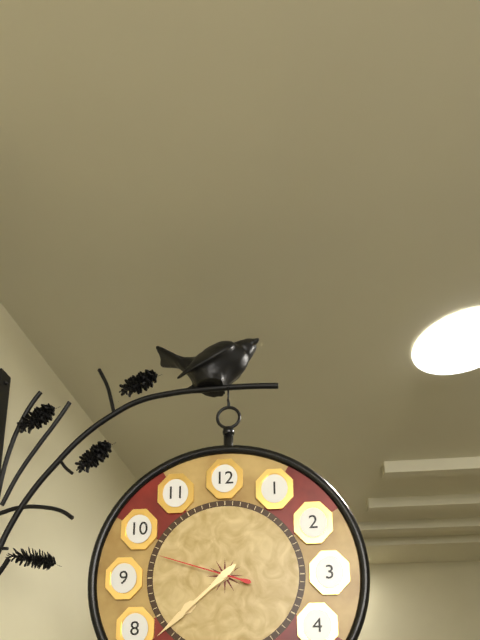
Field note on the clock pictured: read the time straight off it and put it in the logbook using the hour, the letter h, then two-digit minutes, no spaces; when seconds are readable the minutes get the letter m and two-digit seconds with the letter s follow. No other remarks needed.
7h38m48s
